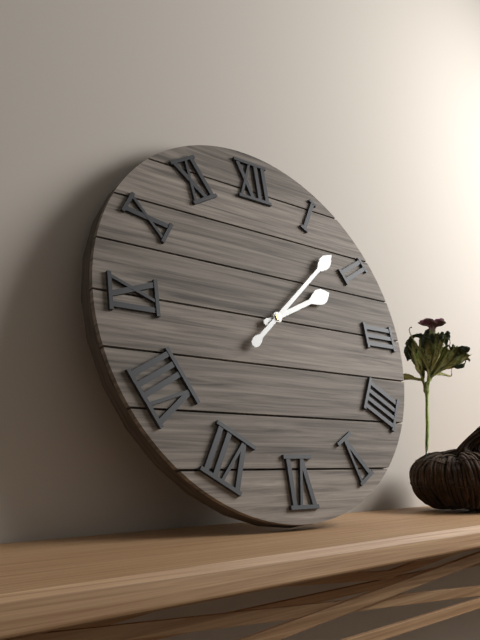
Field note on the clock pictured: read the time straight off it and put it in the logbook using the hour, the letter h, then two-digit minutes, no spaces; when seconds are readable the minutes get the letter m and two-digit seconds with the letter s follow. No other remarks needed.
2h08
